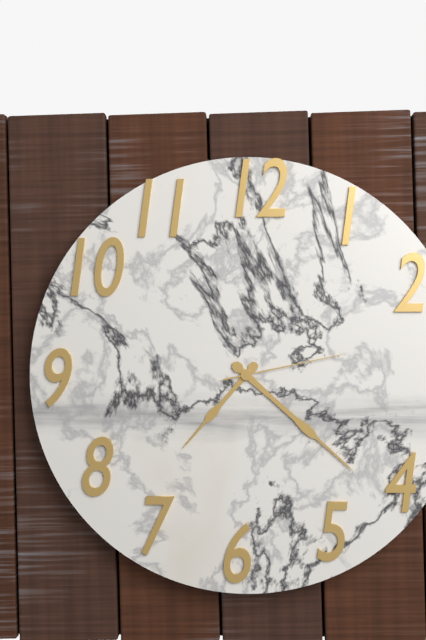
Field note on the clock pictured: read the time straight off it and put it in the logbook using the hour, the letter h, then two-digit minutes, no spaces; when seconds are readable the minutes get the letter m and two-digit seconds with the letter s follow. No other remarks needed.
7h22m13s
